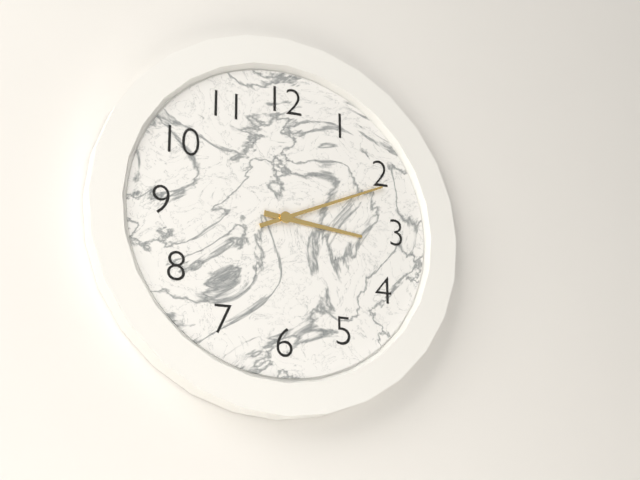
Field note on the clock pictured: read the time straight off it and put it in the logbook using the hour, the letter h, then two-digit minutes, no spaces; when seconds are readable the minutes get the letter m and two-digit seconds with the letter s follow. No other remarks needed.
3h11
